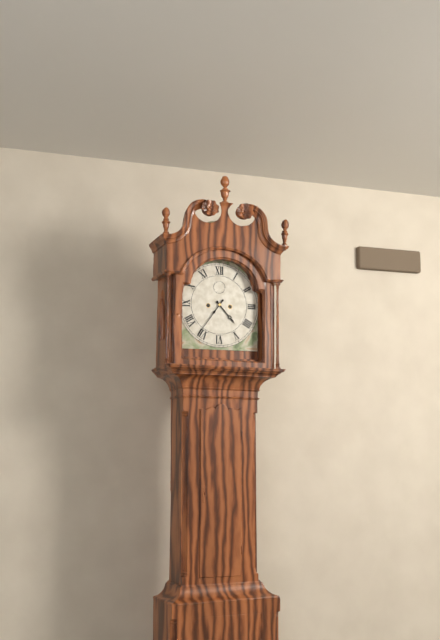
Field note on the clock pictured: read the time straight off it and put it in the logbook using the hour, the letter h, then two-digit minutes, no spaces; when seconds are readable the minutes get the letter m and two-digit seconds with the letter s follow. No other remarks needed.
4h36
